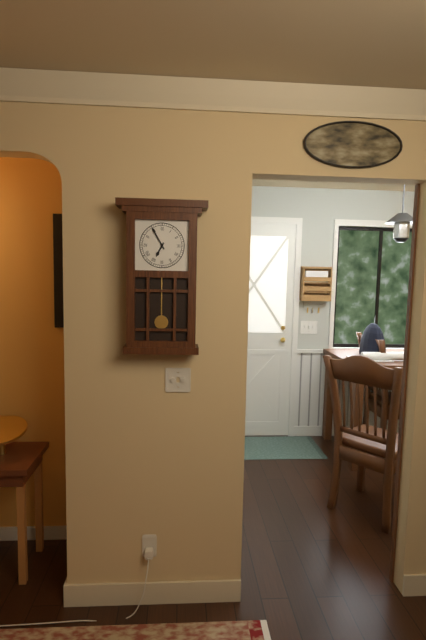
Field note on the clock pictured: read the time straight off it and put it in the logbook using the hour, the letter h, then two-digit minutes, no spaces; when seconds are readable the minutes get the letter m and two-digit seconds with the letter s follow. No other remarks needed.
6h55
